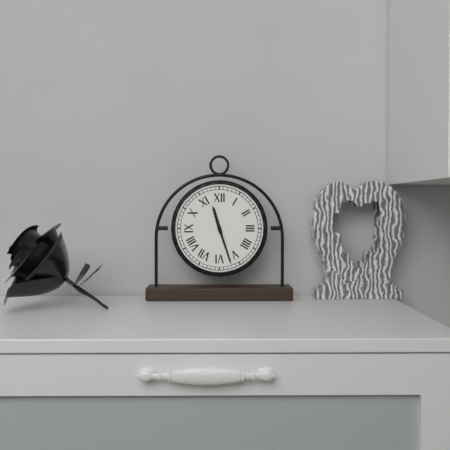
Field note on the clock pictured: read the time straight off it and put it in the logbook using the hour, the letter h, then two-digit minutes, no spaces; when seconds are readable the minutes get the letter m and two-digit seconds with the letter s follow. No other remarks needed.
11h27
